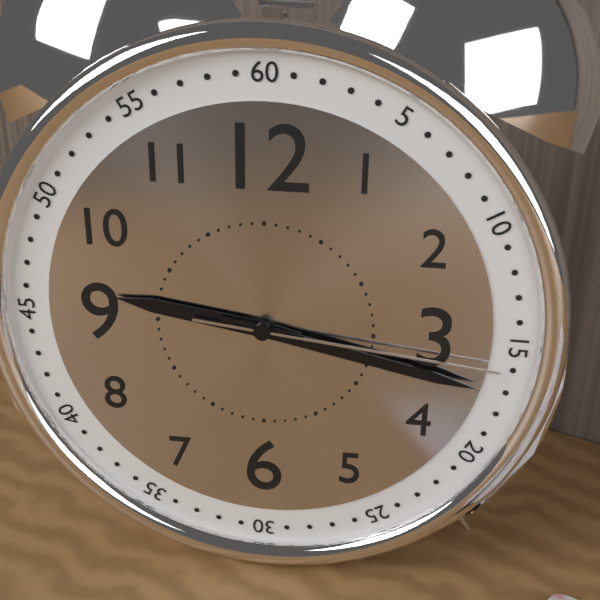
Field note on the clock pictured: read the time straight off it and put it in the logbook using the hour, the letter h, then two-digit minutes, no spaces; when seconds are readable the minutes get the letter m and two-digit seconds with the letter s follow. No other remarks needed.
9h17m16s
